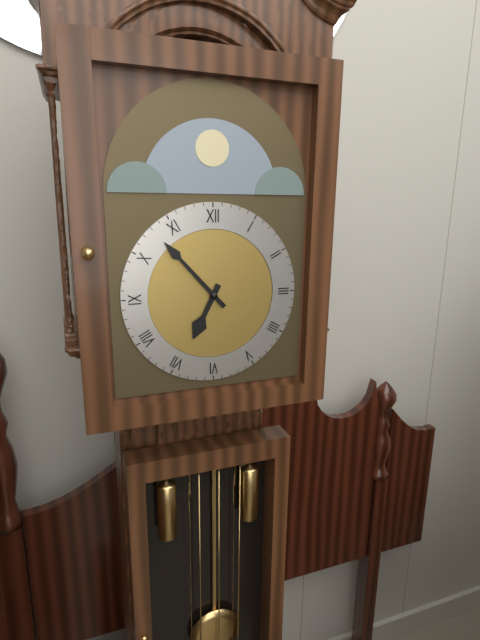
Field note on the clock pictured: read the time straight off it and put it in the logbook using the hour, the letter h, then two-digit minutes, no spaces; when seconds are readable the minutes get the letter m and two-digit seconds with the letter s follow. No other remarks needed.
6h53
